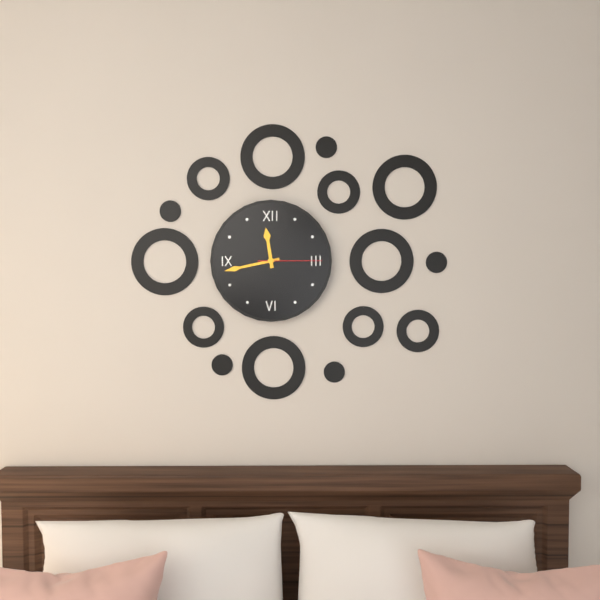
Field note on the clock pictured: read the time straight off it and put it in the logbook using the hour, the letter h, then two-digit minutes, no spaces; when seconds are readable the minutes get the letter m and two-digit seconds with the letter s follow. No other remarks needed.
11h43m15s
